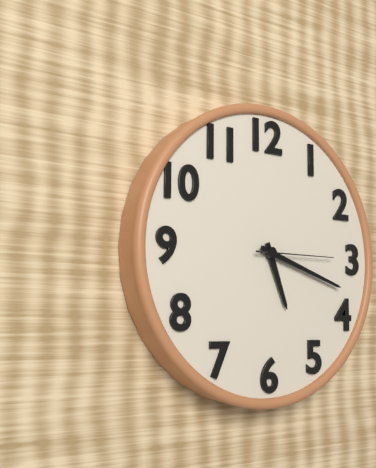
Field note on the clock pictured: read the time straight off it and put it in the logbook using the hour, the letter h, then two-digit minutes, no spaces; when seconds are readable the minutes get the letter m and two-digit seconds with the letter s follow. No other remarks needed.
5h18m15s
